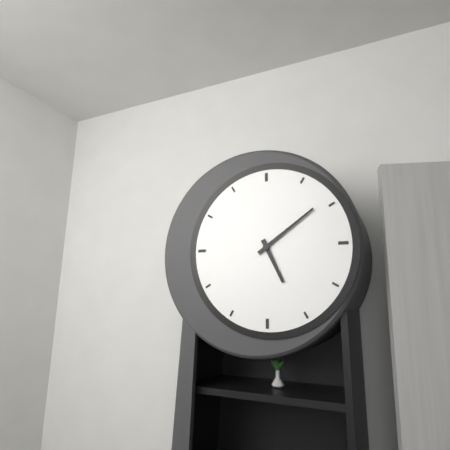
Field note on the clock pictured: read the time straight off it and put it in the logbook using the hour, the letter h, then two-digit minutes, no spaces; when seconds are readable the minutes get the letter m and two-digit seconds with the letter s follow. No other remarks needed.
5h09
